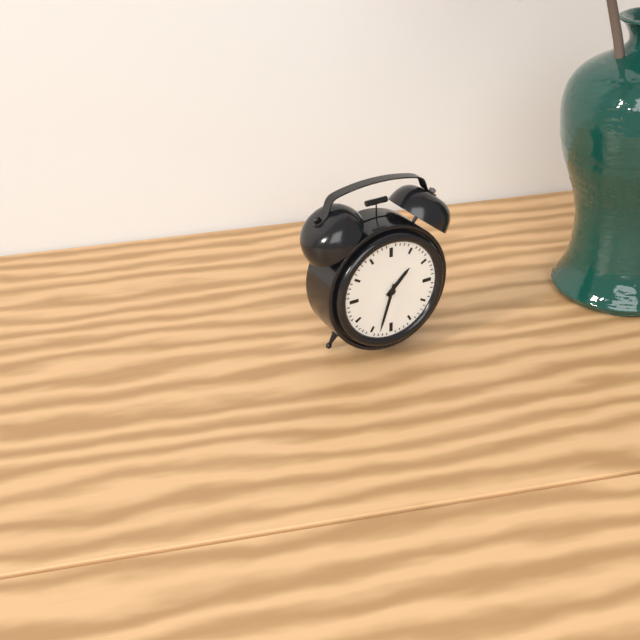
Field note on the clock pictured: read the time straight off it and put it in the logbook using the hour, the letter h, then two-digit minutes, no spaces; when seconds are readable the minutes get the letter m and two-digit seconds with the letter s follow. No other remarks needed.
1h33
